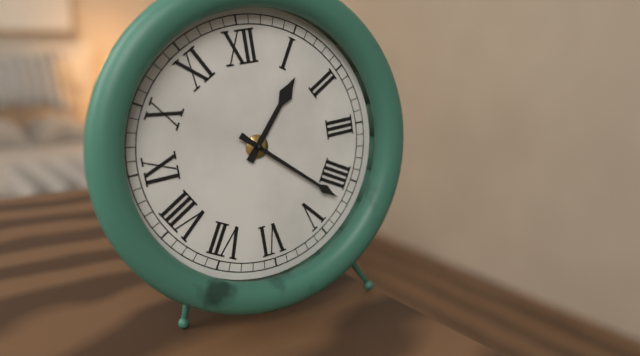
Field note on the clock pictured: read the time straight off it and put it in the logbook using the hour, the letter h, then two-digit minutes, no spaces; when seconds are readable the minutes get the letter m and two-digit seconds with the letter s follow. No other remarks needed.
1h22
